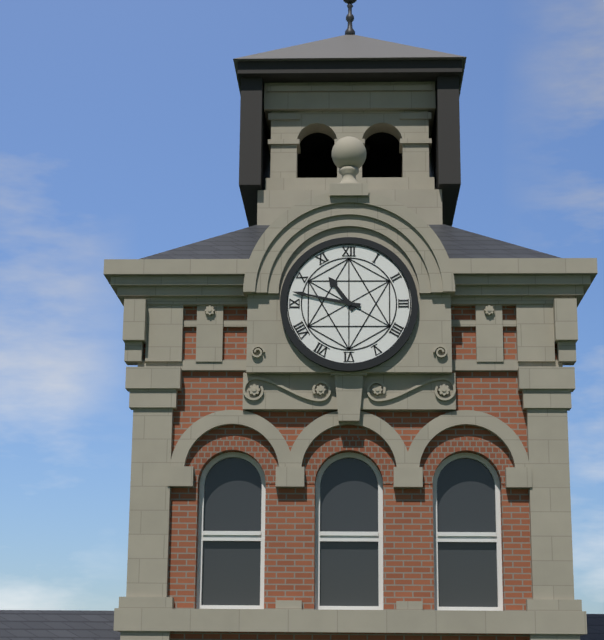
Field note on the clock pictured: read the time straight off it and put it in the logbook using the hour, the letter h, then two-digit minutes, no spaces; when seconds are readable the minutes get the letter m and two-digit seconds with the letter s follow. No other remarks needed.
10h47
